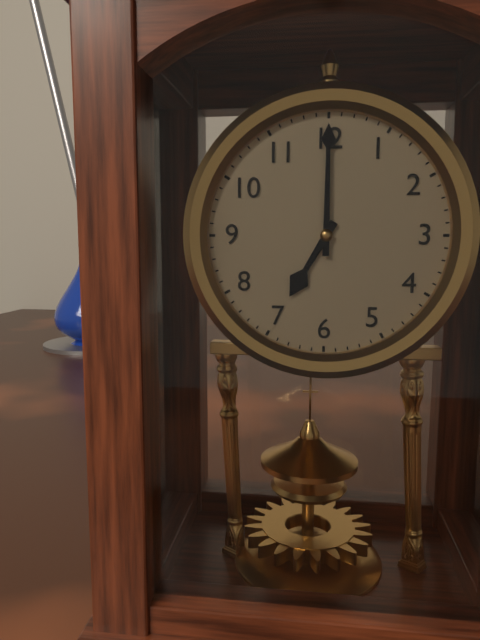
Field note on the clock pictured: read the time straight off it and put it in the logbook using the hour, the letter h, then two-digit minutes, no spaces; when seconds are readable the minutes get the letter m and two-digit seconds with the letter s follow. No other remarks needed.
7h00
